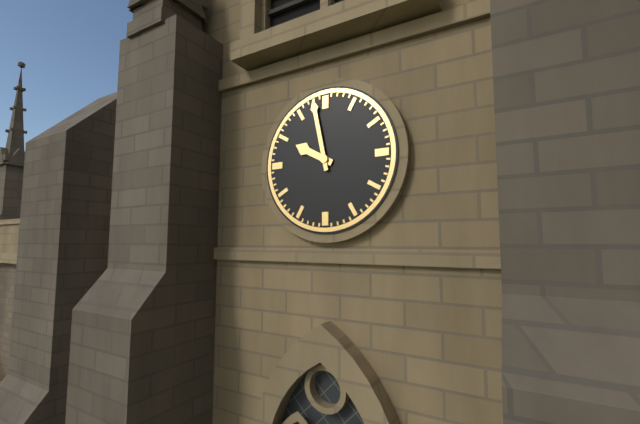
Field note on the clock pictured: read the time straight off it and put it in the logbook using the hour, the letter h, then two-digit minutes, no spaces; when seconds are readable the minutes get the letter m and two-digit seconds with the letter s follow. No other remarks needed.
9h58
